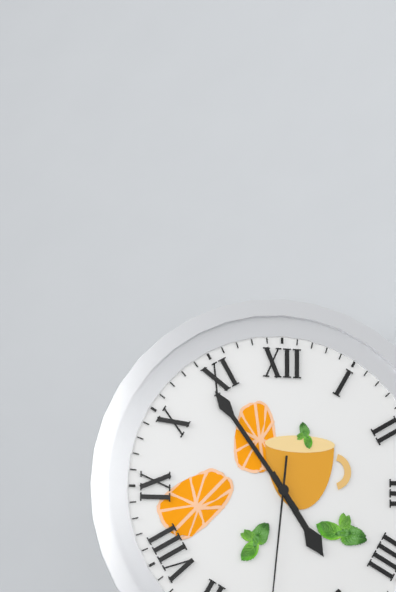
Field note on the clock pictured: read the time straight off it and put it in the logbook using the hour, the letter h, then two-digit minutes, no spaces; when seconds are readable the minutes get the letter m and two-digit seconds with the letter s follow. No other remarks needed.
4h54
